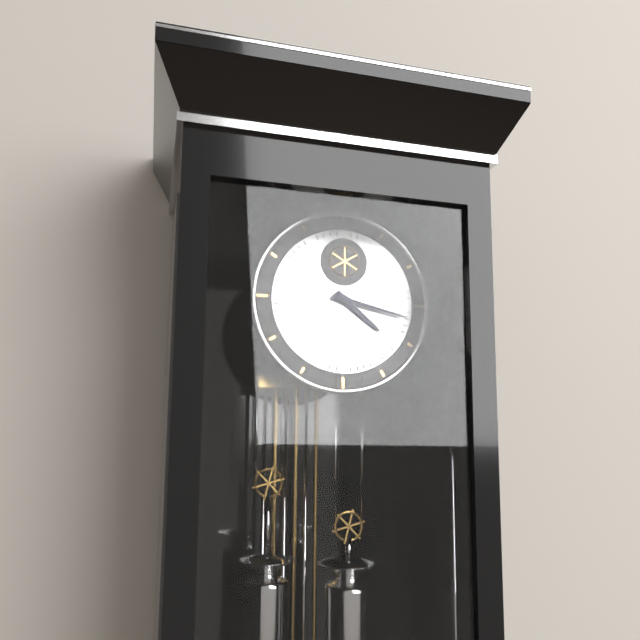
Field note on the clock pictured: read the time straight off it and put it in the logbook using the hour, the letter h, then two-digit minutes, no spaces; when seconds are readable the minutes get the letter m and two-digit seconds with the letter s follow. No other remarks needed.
4h17
